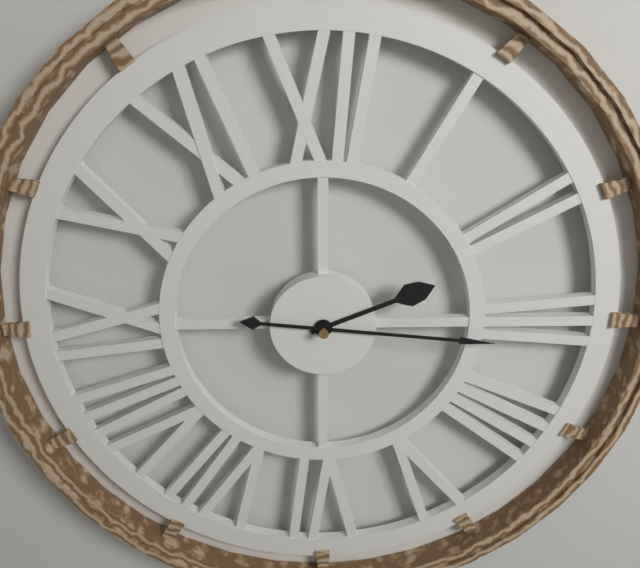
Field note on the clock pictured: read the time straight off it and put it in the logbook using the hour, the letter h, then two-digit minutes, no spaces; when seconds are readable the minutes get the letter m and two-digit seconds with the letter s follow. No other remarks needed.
2h16
